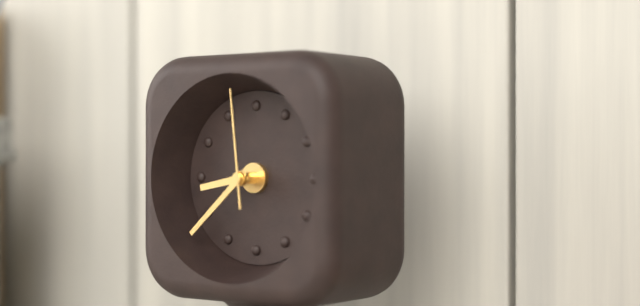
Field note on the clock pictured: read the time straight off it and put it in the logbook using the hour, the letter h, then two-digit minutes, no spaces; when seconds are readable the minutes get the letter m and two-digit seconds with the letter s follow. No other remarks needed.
8h38m59s
